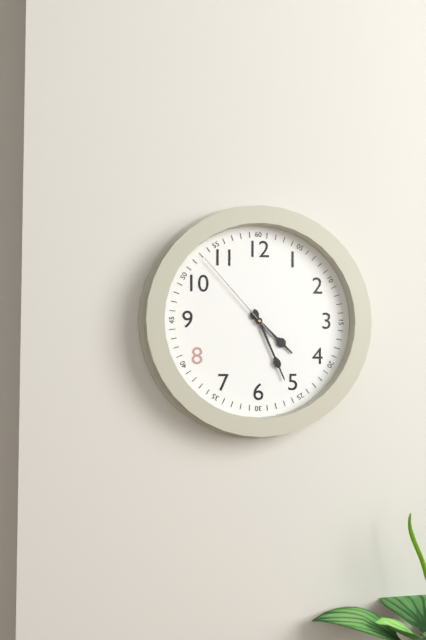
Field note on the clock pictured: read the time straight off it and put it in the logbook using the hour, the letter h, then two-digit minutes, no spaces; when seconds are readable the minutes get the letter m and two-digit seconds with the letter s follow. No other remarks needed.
4h26m53s
